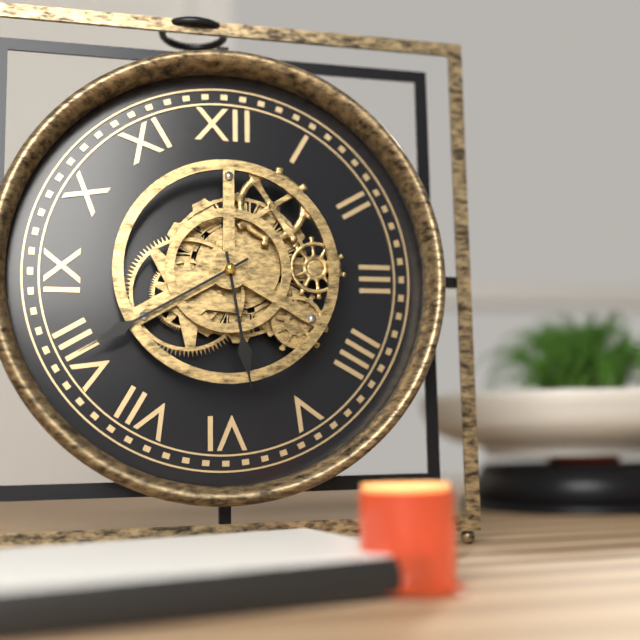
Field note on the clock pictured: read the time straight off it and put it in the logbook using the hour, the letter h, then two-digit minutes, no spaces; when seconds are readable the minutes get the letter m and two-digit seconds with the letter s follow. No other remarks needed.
5h40
